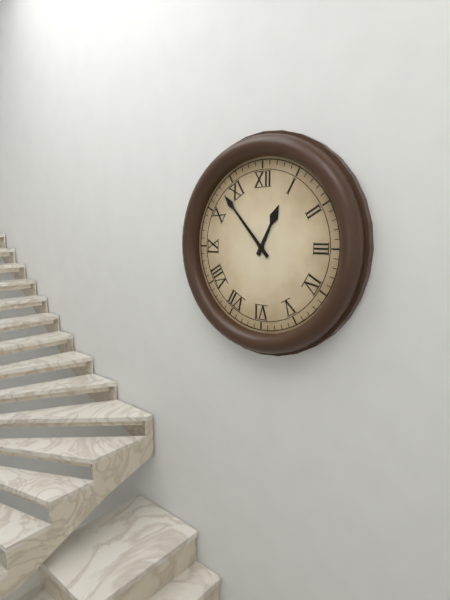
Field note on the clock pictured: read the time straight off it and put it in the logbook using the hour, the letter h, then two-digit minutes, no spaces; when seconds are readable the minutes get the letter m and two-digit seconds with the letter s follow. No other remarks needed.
12h53
